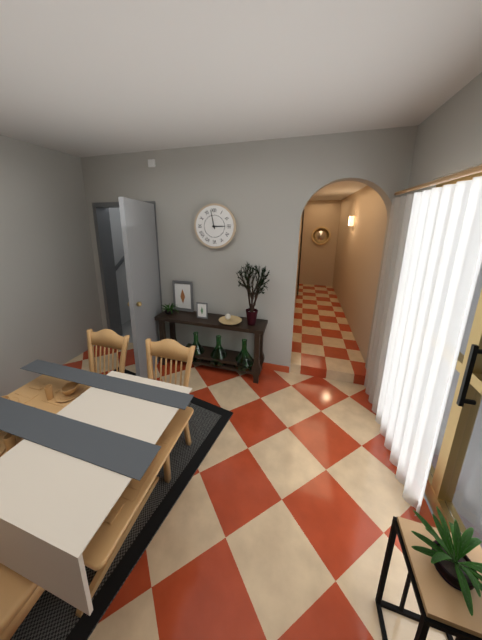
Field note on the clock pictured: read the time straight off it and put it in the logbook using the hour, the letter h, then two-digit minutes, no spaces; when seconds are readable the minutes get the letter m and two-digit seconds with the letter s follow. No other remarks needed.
2h58
